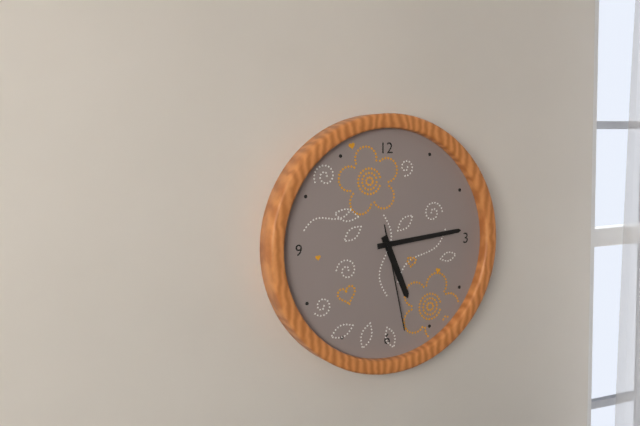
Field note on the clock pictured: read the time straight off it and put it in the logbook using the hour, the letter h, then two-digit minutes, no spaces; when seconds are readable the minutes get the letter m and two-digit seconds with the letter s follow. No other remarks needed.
5h14m28s
